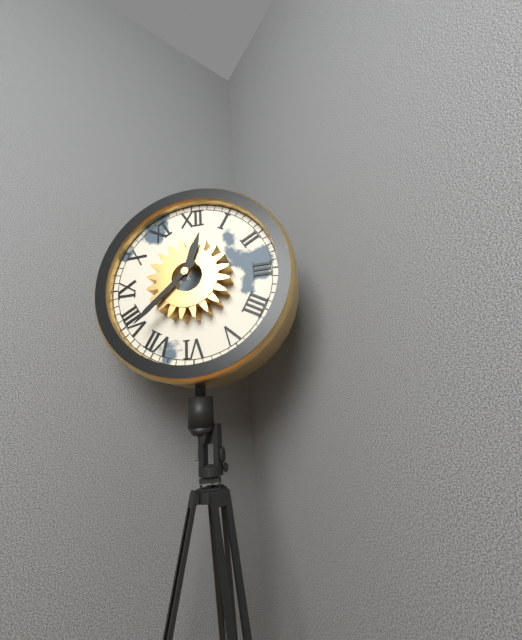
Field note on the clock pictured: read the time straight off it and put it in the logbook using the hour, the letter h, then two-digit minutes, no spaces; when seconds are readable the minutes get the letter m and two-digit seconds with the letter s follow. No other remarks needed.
12h38
